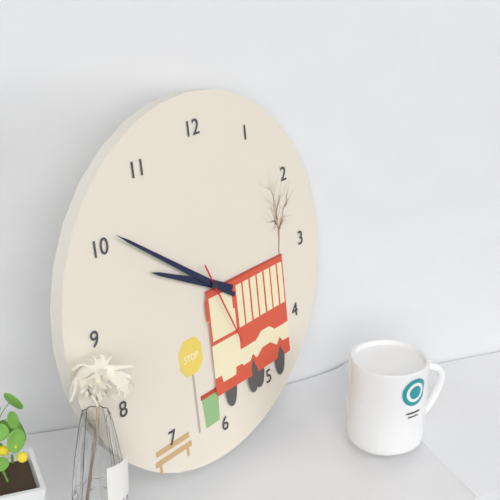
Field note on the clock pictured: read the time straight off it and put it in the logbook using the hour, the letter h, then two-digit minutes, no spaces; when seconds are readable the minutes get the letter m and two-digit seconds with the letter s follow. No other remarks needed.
9h51m26s
